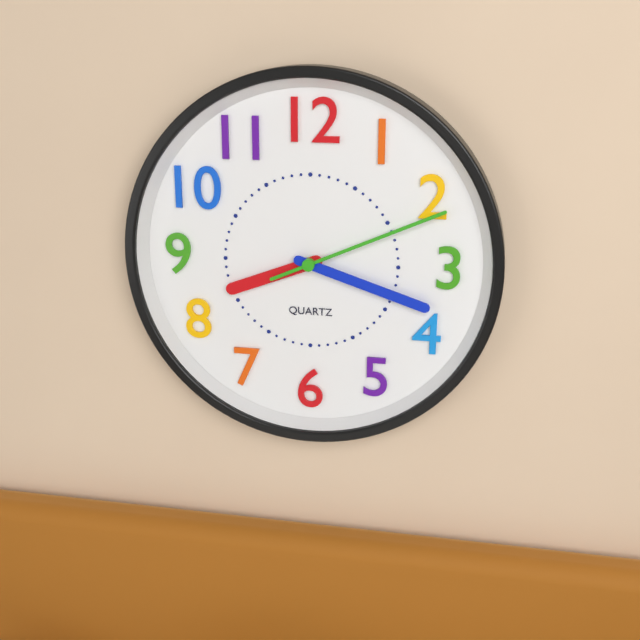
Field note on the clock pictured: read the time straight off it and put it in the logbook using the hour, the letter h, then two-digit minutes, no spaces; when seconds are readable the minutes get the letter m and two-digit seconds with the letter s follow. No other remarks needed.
8h18m11s
